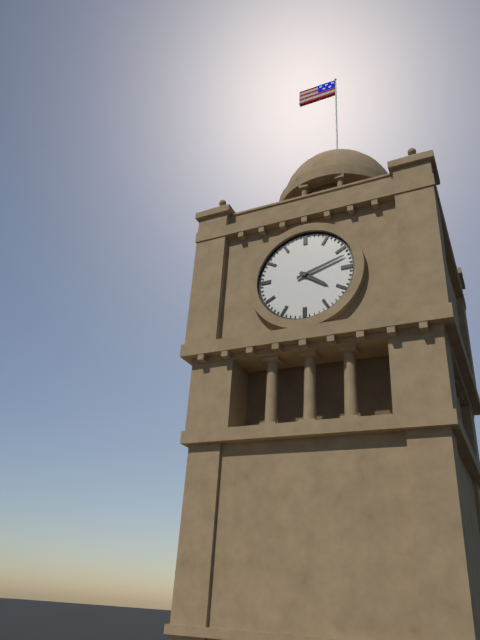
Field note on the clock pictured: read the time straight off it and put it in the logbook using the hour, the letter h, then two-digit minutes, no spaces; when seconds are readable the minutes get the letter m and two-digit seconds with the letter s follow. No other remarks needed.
4h12
